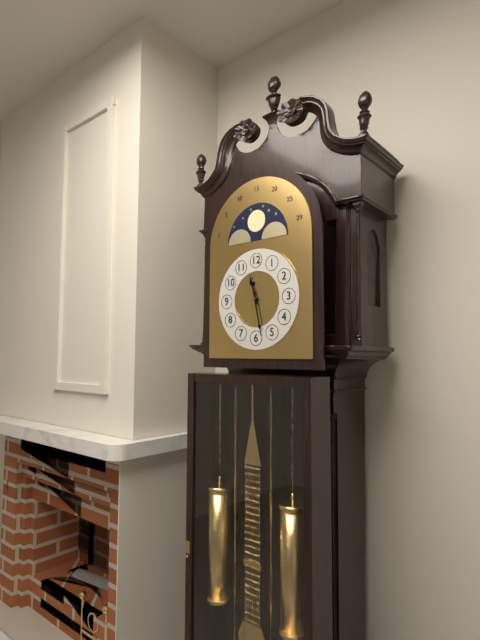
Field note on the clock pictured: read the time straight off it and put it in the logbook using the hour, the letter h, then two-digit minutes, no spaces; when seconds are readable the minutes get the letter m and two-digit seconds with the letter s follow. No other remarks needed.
11h28
